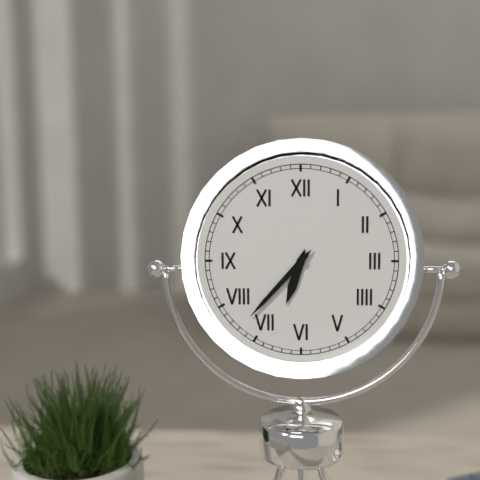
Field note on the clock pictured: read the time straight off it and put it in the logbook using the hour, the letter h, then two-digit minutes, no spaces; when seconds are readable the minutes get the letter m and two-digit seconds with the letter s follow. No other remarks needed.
6h37
